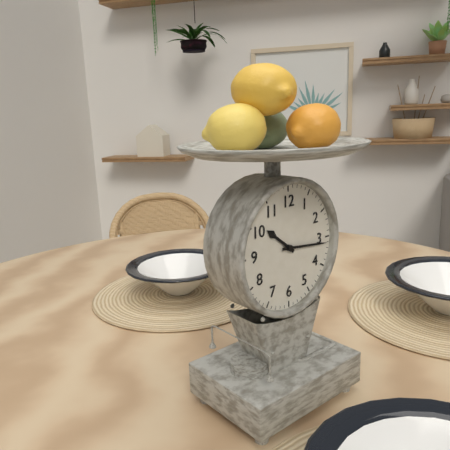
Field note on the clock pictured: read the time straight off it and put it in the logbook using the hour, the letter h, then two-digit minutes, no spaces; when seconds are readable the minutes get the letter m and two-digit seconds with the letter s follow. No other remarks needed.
10h16
